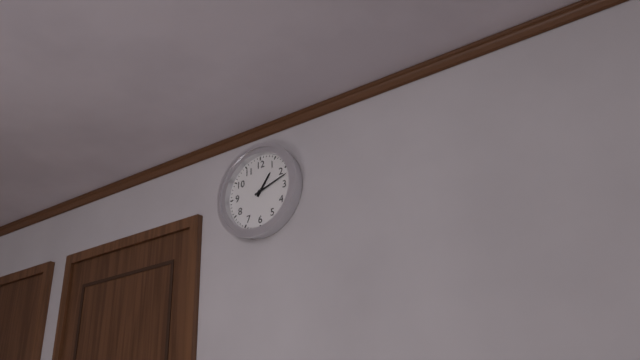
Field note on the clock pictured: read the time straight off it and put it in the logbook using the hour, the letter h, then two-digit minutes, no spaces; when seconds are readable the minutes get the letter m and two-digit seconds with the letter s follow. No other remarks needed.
1h12
